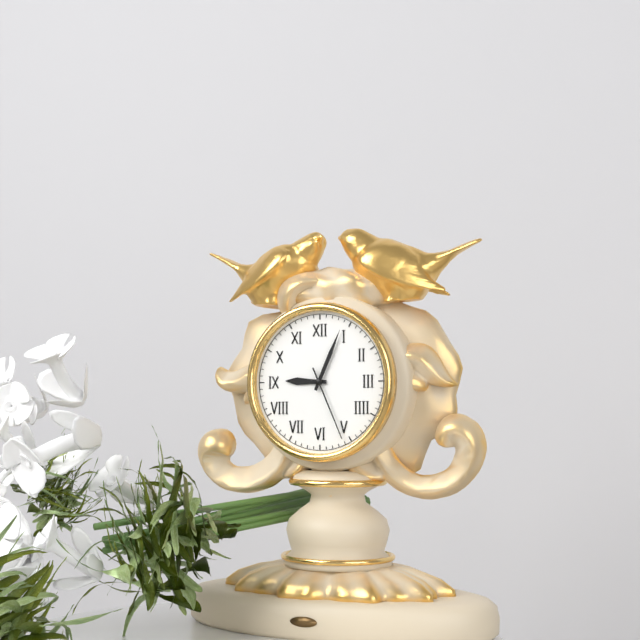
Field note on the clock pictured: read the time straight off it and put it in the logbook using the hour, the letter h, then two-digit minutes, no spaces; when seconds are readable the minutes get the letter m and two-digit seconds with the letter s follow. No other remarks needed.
9h04m26s
